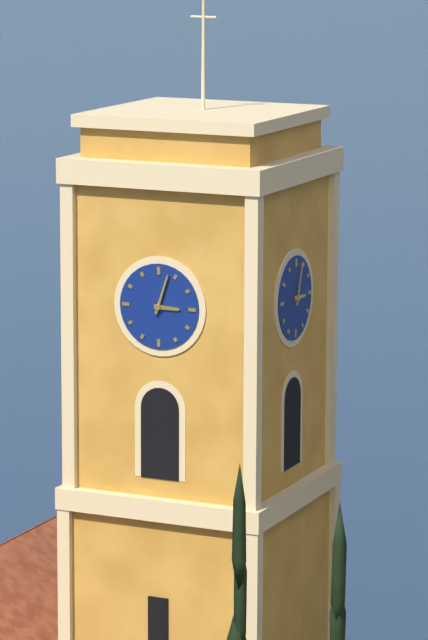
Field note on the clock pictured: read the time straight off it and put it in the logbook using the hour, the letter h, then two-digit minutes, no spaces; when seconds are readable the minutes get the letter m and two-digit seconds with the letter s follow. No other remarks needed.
3h03
